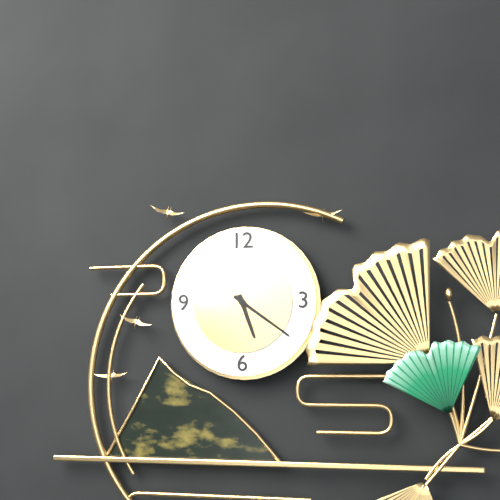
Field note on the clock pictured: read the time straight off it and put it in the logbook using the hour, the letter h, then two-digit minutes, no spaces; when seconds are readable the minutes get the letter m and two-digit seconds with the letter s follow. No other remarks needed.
5h21
